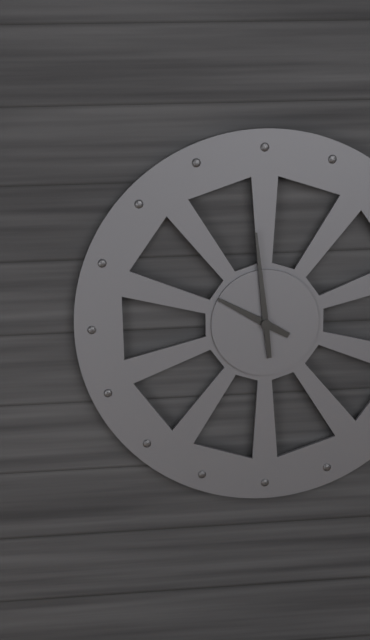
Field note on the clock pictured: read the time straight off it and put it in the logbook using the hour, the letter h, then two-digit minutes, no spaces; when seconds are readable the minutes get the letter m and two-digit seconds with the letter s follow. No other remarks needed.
9h59
